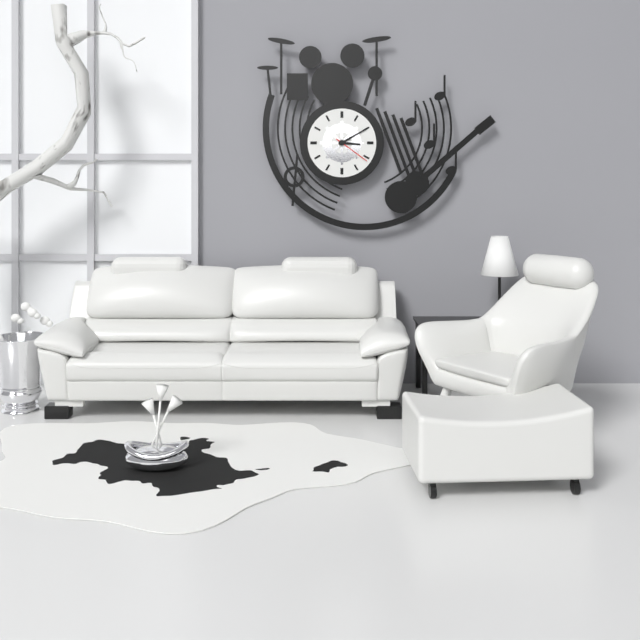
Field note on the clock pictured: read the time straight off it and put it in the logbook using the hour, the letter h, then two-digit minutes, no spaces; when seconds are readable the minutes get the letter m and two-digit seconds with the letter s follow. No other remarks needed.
3h10
